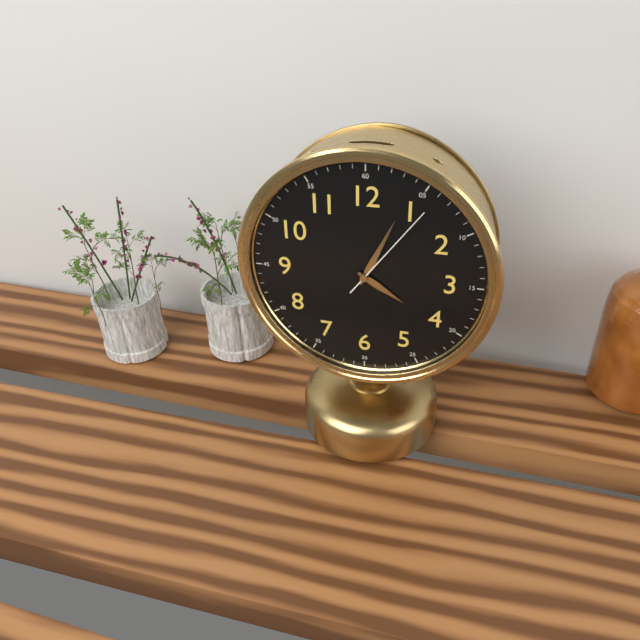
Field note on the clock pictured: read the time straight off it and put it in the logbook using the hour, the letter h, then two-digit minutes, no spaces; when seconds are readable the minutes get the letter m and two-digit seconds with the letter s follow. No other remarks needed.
4h04m06s
